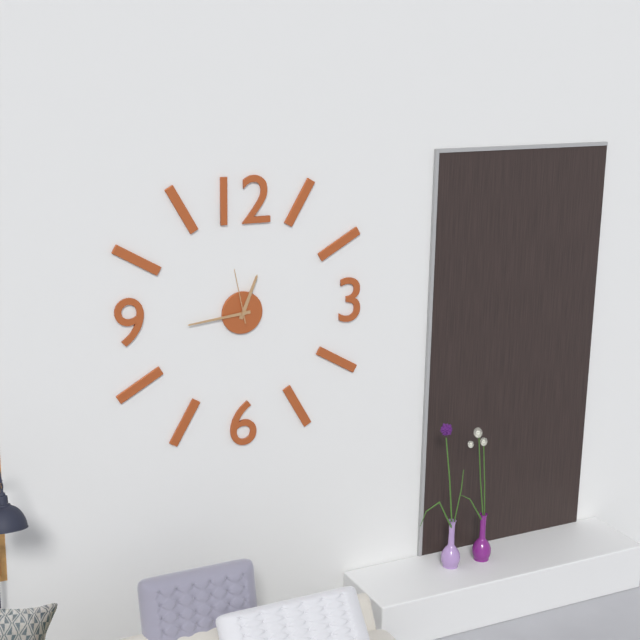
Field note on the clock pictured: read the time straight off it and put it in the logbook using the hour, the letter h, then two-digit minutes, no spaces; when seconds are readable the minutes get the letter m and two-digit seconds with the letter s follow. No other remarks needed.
12h44m58s
